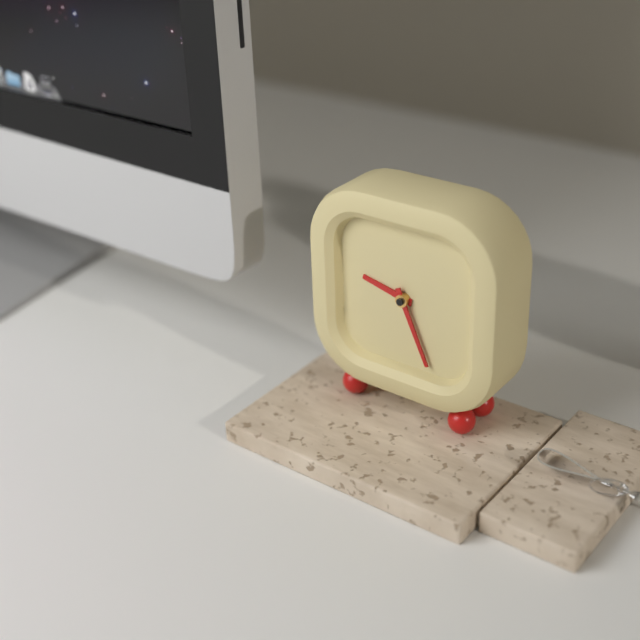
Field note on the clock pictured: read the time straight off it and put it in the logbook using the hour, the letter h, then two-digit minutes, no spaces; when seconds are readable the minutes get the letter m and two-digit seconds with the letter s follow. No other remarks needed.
9h26
